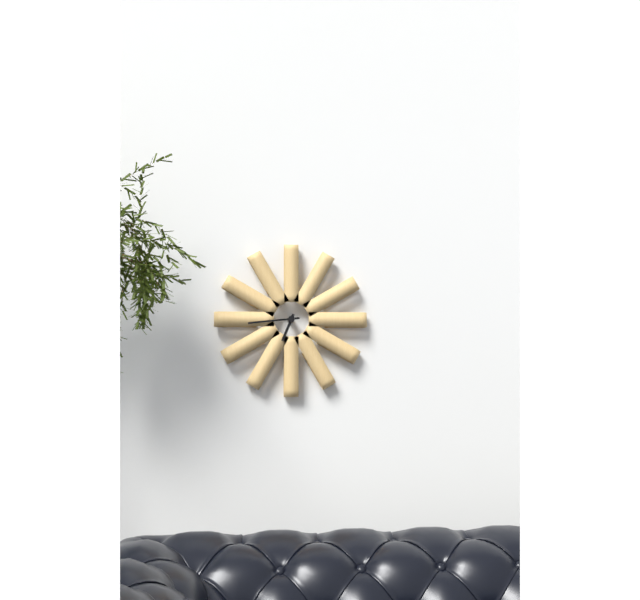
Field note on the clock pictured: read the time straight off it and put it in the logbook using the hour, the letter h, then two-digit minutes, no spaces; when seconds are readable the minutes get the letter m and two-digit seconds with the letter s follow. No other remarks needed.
6h44
